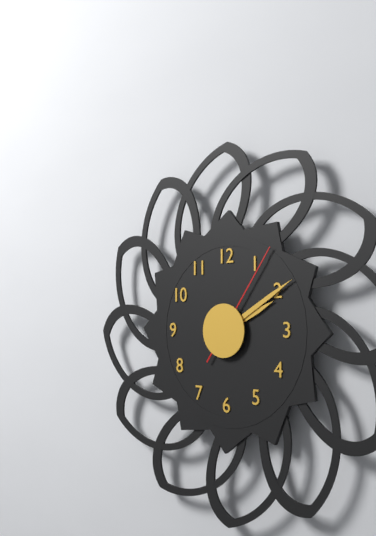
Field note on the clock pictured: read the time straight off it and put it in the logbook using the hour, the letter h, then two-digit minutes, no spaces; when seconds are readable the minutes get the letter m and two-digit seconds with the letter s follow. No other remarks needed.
2h10m06s
